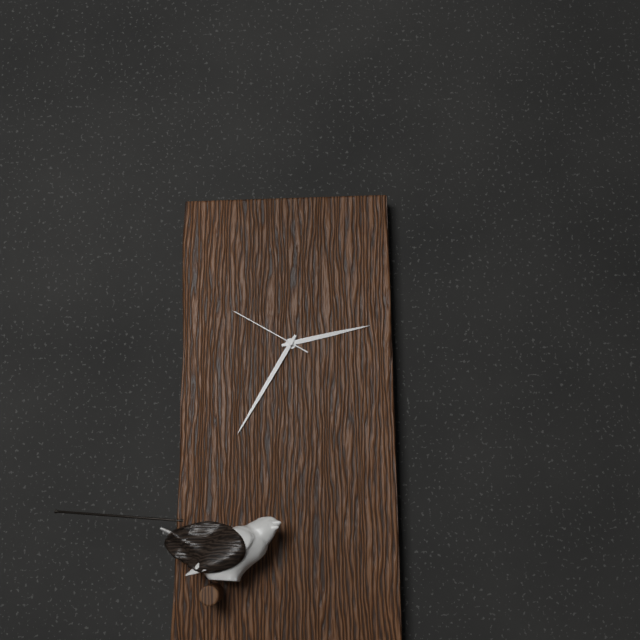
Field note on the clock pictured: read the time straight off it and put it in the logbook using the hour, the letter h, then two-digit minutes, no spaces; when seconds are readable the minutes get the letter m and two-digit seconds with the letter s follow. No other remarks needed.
2h35m50s
